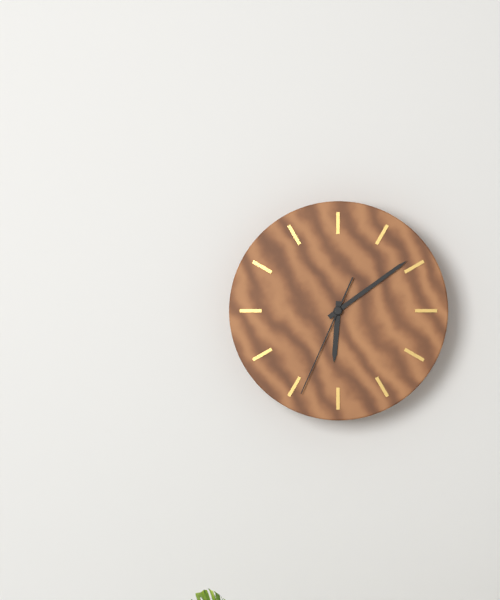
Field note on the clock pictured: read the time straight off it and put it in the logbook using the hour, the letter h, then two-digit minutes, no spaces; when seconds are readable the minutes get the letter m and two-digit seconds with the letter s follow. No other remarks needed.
6h09m34s
